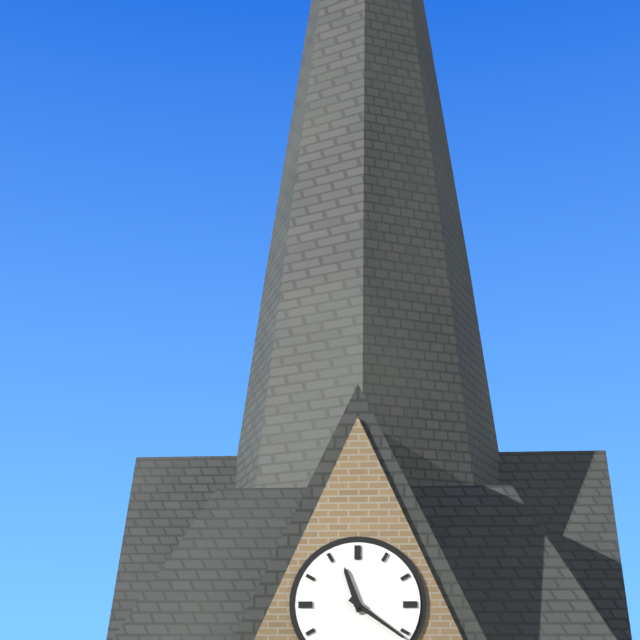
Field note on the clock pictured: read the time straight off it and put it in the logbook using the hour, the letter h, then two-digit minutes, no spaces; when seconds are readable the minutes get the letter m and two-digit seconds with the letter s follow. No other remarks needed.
11h21
